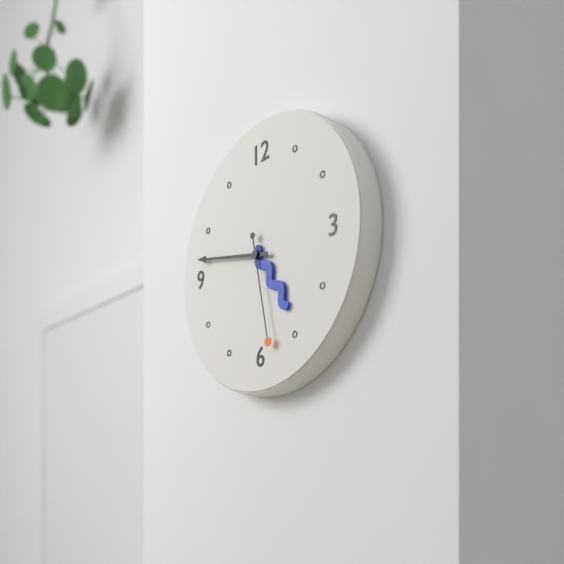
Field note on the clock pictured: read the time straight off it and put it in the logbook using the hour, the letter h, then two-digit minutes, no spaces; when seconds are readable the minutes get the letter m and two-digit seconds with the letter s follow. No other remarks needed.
4h47m28s
